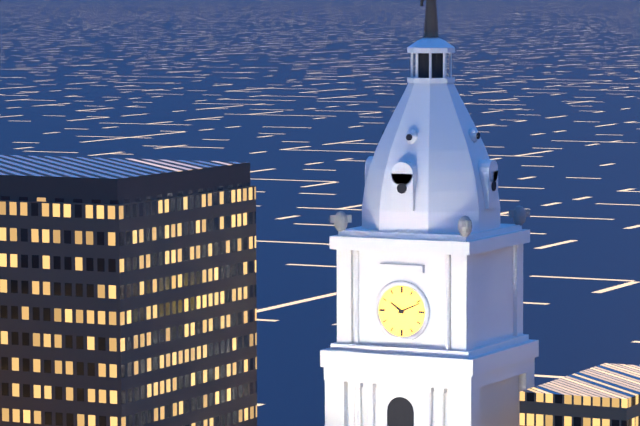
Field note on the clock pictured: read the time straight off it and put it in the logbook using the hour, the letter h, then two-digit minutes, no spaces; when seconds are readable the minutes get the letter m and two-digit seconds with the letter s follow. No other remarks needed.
10h11
